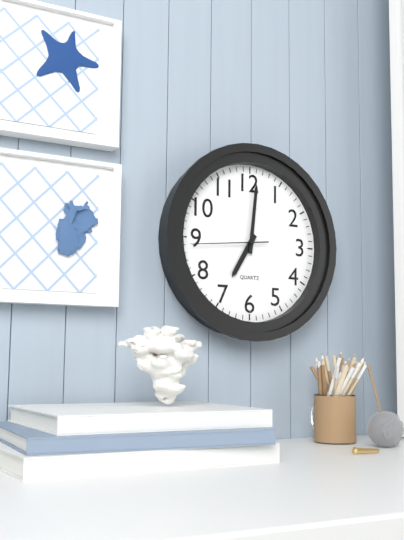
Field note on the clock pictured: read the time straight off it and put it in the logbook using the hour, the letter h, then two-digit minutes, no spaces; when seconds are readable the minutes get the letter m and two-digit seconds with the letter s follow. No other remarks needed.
7h01m44s
